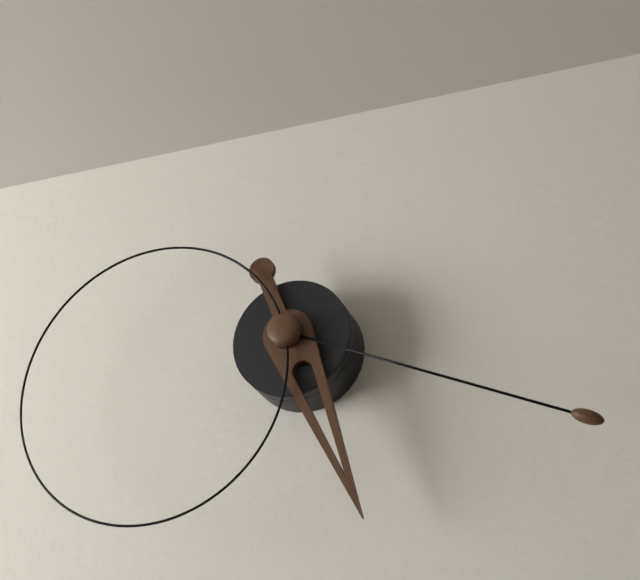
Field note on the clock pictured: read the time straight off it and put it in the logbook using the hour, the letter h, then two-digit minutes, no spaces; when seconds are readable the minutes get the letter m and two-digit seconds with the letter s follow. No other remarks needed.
5h19m43s
